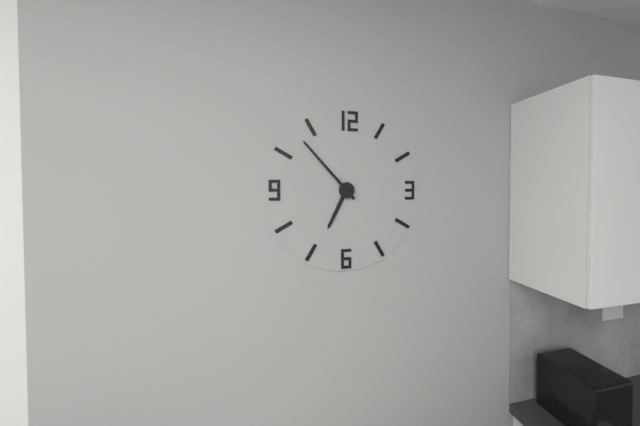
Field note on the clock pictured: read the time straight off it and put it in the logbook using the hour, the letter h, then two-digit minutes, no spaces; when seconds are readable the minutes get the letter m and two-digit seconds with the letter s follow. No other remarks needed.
6h53
